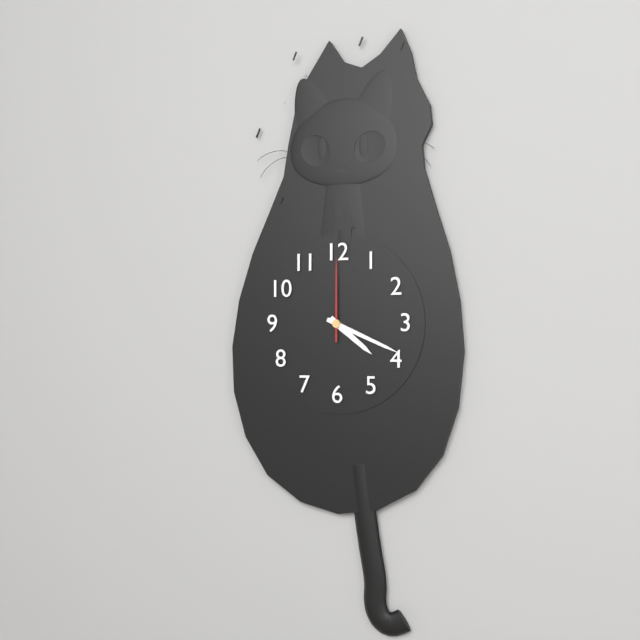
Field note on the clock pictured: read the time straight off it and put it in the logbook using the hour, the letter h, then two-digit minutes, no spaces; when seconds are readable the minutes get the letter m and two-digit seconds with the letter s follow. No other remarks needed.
4h19m00s
